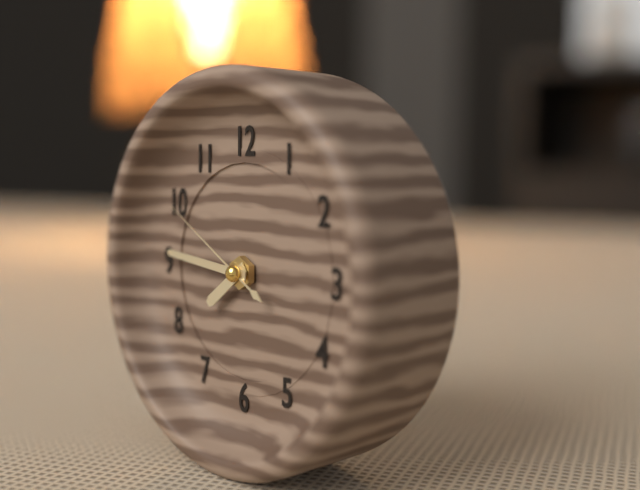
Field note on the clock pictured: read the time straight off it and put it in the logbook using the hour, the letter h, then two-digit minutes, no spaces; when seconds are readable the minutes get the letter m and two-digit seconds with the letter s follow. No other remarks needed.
7h46m50s
